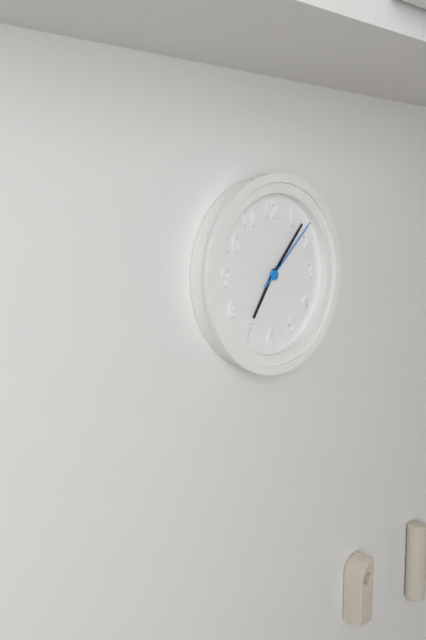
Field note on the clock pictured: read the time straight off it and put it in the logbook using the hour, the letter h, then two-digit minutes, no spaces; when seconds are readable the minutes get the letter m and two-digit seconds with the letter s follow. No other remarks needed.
7h07m08s
